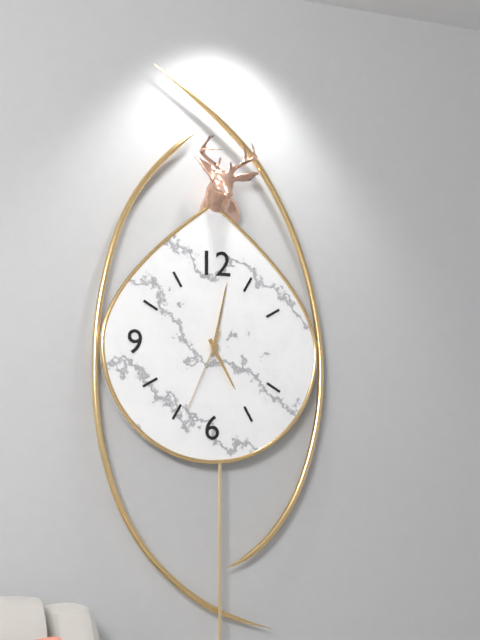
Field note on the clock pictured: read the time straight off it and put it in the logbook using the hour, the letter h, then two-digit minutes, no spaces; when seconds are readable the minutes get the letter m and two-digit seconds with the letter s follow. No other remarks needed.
5h02m34s
